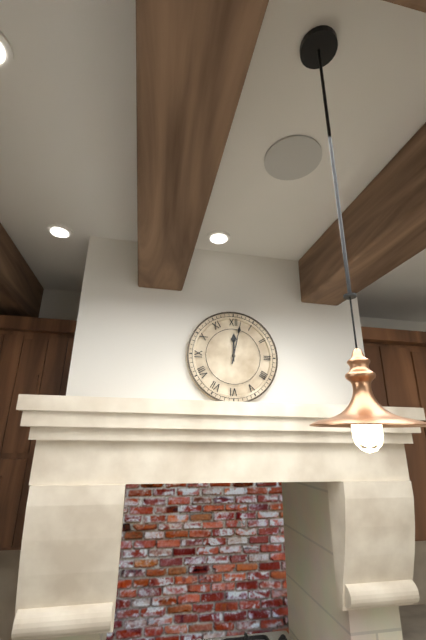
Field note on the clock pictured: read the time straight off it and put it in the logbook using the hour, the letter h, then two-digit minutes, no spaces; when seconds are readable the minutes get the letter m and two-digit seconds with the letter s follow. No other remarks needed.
12h02
